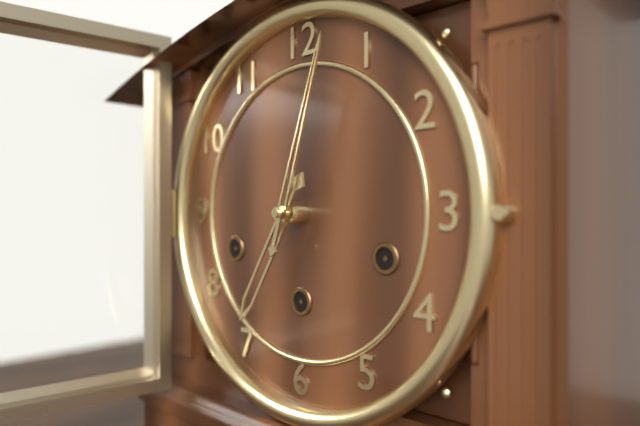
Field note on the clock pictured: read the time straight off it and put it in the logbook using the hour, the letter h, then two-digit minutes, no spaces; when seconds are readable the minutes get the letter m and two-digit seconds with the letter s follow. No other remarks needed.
7h03
